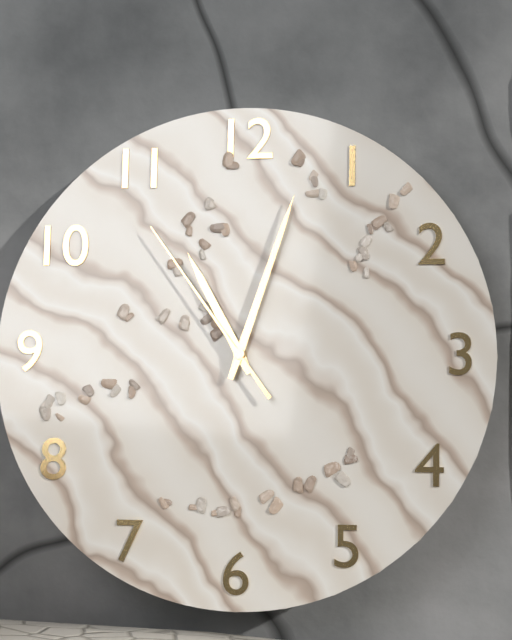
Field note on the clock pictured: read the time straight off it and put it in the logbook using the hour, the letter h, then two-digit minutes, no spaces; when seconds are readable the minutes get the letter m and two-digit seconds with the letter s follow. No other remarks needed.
11h03m54s
